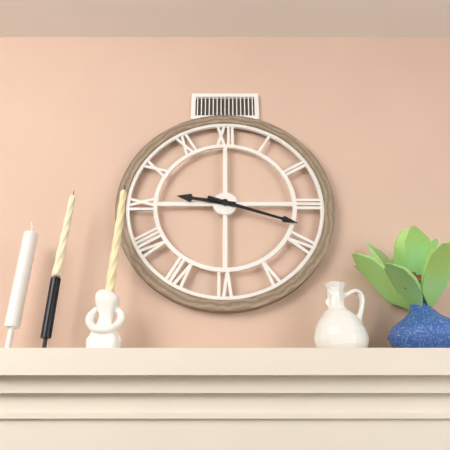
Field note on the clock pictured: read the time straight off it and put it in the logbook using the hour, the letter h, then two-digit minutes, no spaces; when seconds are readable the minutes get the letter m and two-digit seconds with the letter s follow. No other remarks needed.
9h18
